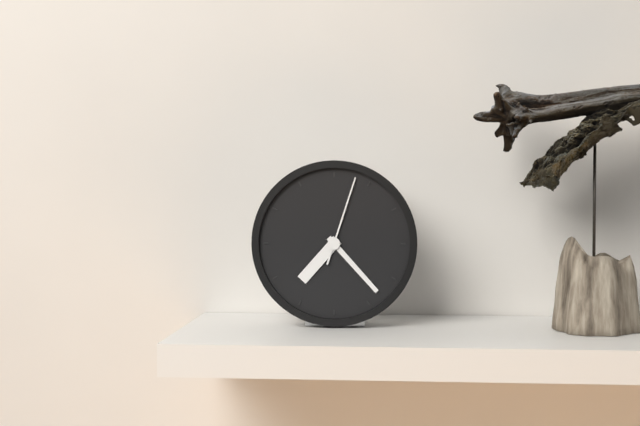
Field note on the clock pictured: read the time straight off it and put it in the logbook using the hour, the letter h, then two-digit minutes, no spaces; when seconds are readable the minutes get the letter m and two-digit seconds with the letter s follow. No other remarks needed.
7h23m03s
